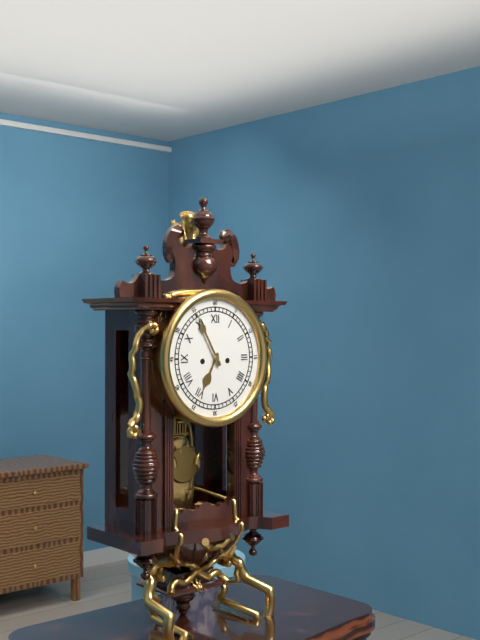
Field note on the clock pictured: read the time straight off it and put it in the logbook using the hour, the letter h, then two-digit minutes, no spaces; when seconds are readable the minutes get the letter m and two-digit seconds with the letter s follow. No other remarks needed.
6h55
